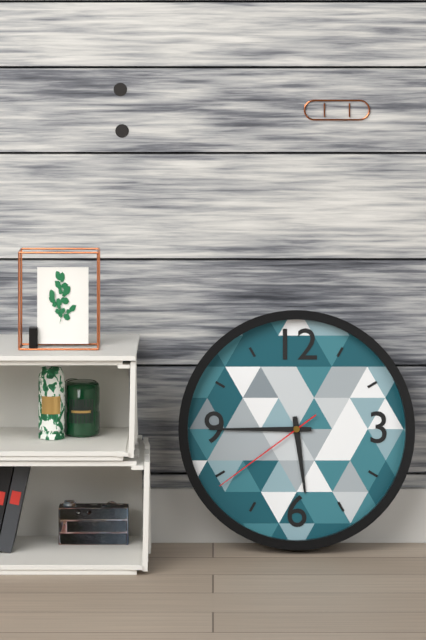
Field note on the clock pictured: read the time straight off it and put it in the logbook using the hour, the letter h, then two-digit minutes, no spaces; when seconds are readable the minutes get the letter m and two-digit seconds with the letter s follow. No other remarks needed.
5h45m39s
